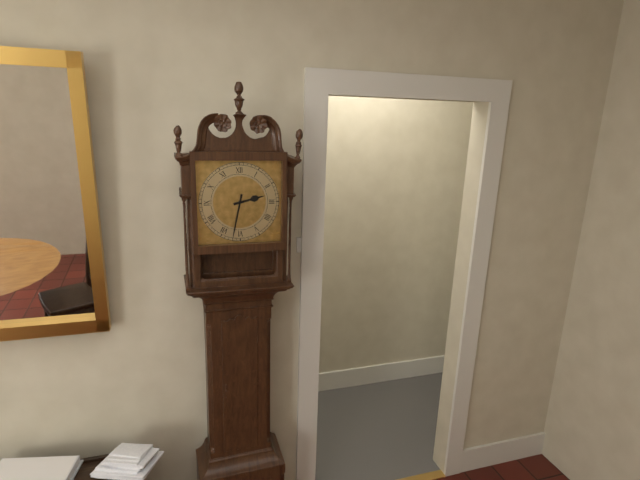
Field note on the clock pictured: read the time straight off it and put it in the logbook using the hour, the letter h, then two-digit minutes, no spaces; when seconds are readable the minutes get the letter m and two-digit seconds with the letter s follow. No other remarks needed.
2h32
